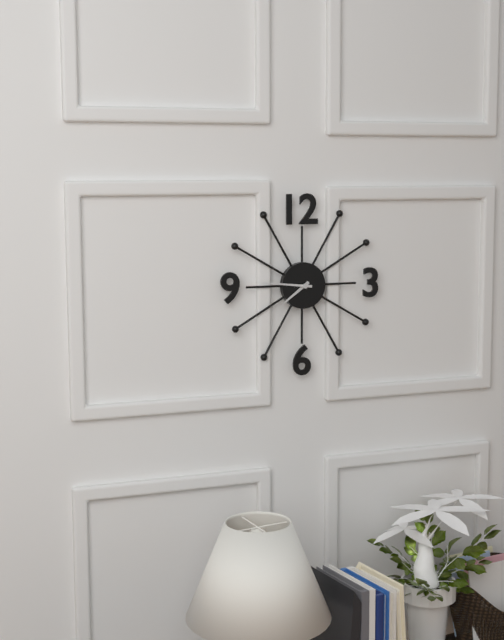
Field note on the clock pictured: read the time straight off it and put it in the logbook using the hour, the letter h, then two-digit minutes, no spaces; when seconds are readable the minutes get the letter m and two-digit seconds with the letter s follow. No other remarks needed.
7h46
